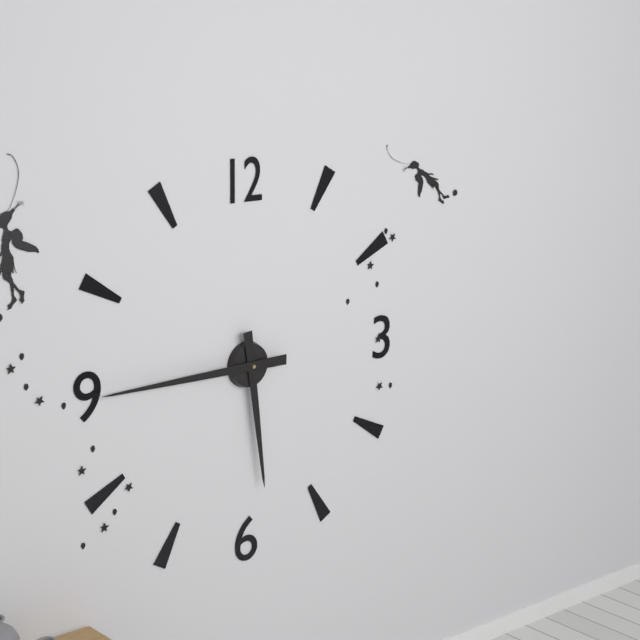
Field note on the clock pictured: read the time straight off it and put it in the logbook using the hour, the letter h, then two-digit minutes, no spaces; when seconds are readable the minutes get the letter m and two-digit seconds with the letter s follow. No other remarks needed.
5h45
